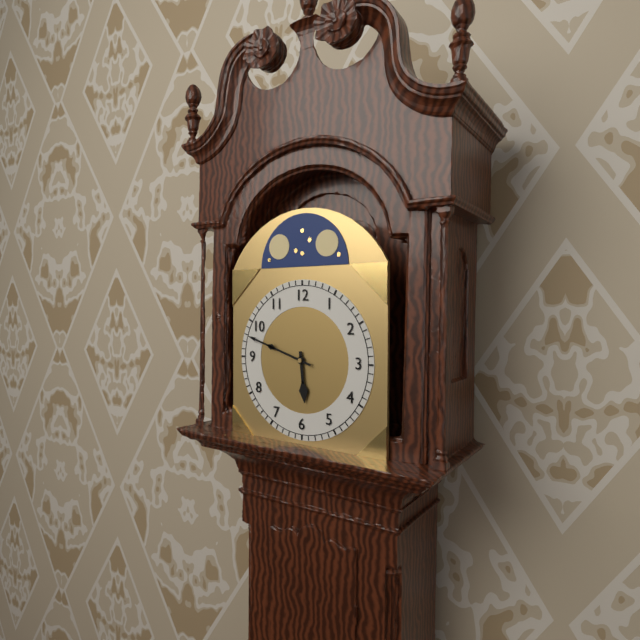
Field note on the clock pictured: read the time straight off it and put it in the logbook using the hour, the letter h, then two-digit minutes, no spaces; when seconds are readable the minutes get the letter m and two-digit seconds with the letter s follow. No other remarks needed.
5h48
